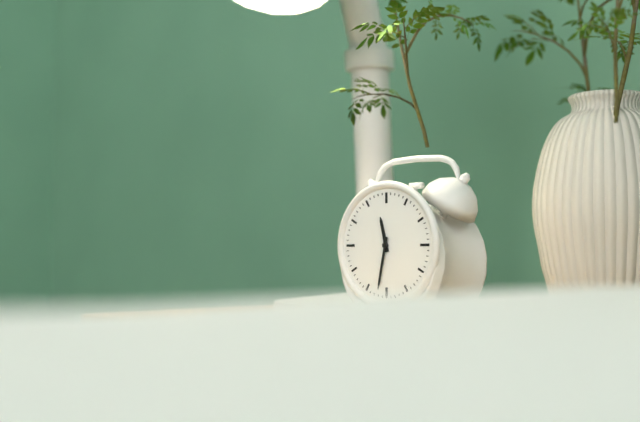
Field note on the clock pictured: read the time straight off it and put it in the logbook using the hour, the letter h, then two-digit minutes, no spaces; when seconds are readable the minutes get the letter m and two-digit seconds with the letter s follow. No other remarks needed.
11h32
